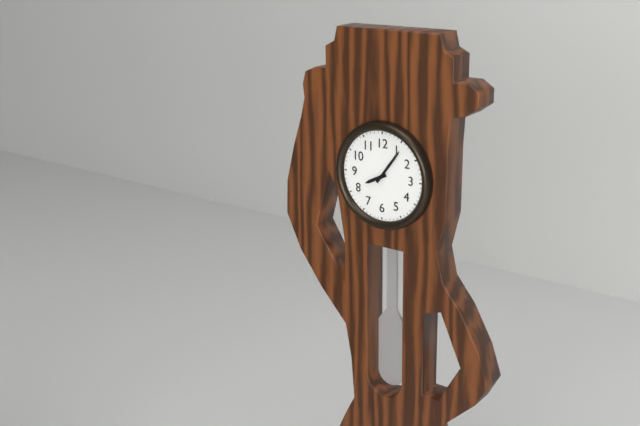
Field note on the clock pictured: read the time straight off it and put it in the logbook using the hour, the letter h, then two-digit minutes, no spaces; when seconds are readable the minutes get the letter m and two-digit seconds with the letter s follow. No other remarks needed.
8h06
